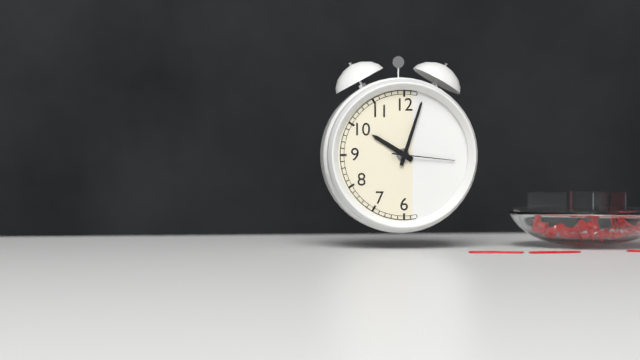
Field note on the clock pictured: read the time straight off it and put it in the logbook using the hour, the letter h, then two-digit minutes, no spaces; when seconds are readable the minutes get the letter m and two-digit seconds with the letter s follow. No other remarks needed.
10h03m16s
